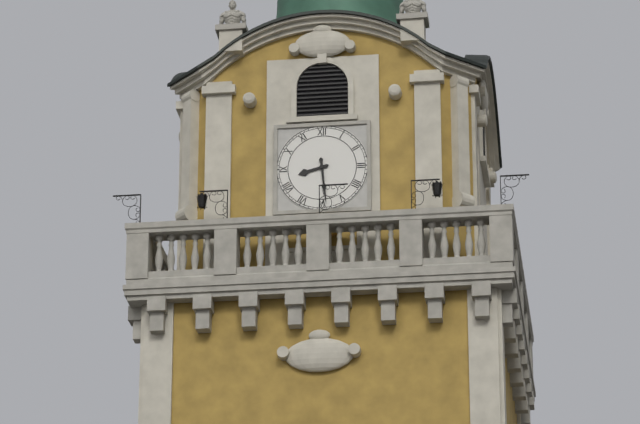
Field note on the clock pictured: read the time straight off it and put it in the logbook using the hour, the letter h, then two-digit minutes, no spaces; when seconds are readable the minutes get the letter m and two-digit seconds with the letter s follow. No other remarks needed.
8h29
